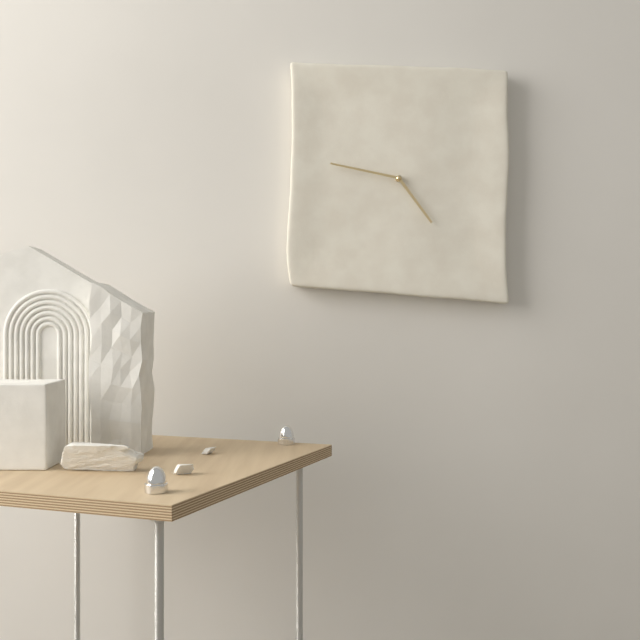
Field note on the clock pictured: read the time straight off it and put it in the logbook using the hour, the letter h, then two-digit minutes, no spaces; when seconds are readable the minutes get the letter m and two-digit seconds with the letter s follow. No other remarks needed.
4h47
